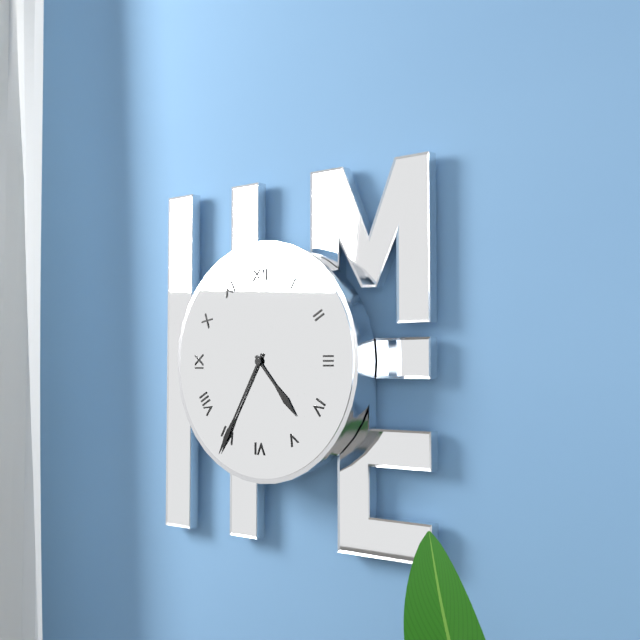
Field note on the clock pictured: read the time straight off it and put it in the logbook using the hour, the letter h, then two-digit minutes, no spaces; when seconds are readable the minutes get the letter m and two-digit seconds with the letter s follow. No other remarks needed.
4h35
